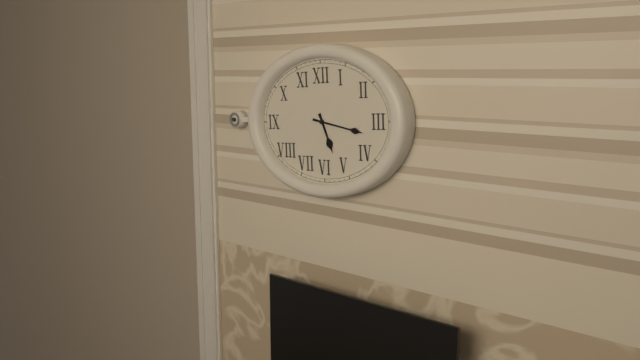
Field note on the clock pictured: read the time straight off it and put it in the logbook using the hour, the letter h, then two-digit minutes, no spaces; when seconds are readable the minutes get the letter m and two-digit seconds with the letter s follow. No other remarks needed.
5h17
